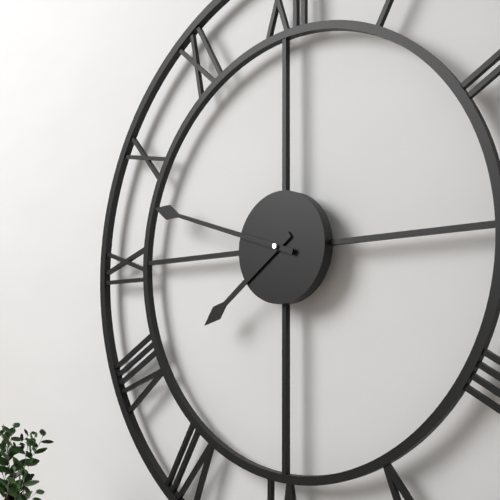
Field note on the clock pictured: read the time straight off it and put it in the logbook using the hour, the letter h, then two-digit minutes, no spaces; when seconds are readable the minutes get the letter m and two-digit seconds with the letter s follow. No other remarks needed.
7h48
